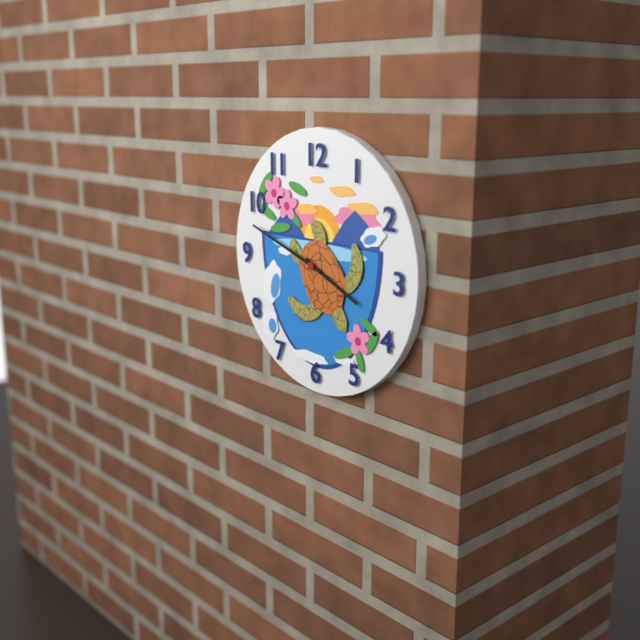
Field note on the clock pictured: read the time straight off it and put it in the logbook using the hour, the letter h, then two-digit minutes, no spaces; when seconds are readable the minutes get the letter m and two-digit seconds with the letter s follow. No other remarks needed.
3h48
